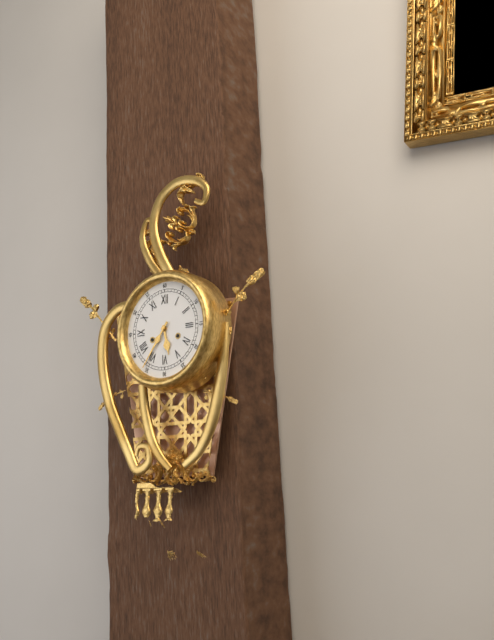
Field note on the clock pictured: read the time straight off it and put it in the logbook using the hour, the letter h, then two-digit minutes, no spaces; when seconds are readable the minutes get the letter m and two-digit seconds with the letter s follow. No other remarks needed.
5h36
